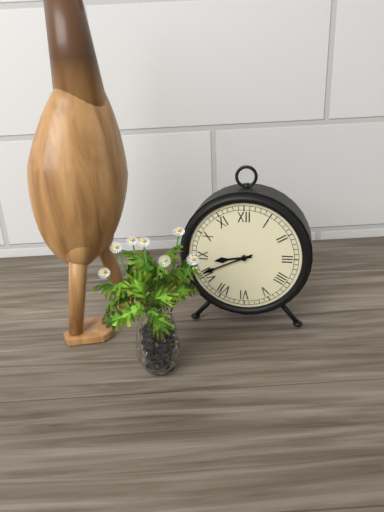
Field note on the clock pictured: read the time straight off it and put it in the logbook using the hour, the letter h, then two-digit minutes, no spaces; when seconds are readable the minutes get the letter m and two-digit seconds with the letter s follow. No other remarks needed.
8h41
